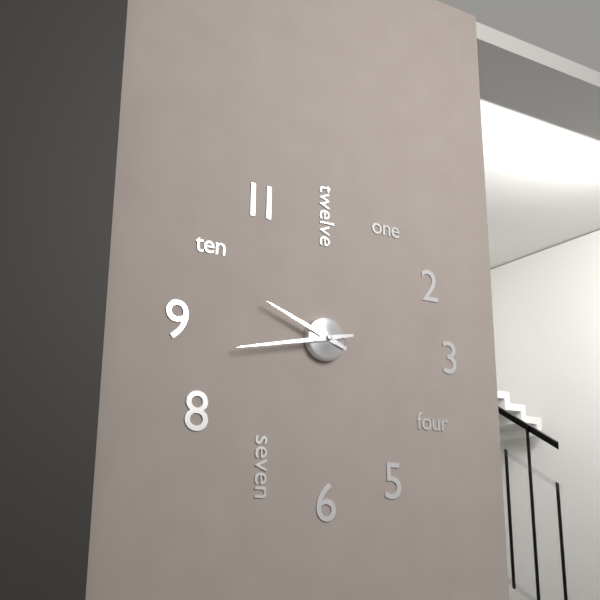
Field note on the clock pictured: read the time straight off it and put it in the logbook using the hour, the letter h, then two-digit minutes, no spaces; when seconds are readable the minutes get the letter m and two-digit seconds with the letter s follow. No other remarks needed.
9h43
